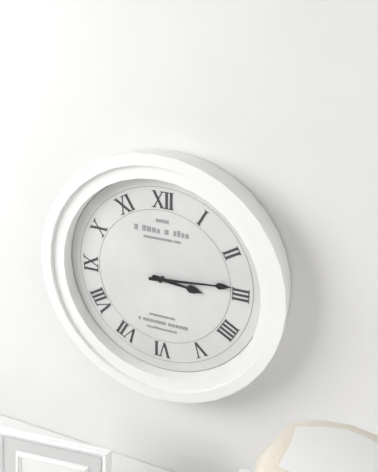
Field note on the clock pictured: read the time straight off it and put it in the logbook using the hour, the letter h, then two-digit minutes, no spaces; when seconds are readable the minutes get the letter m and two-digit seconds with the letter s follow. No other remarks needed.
3h14
